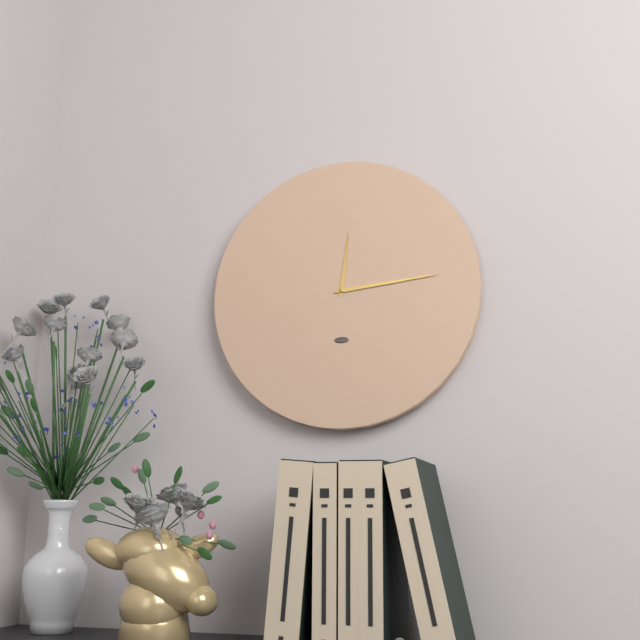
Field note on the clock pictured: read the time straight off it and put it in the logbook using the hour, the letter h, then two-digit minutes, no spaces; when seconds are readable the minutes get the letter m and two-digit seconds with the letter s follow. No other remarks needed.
12h14
